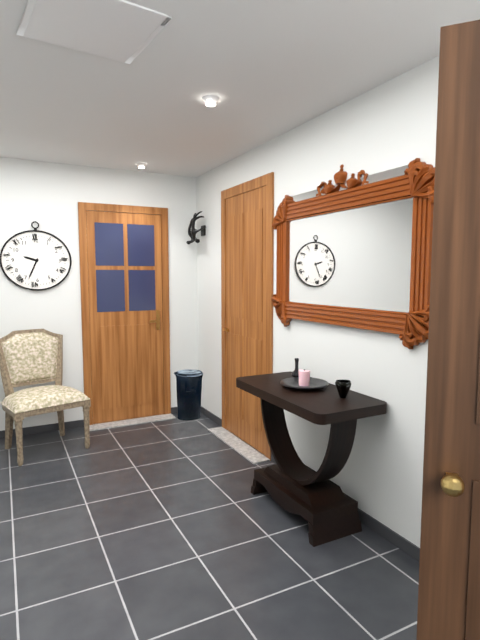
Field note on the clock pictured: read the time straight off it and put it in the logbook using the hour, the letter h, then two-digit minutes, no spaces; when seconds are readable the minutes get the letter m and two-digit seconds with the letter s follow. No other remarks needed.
9h34
